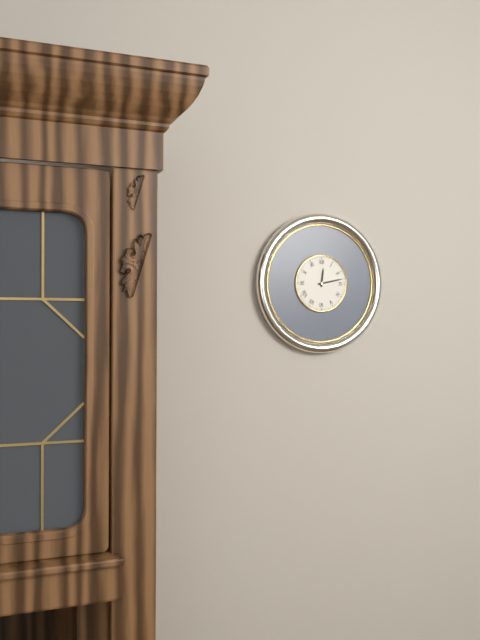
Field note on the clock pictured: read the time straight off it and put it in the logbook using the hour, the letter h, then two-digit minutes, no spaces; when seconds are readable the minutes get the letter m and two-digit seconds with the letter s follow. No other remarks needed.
12h13
